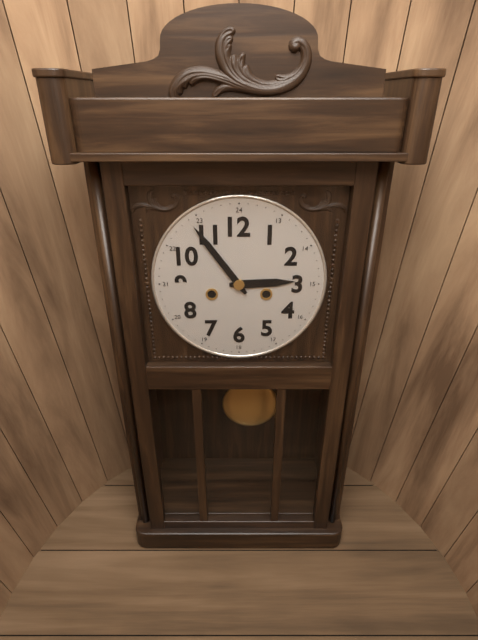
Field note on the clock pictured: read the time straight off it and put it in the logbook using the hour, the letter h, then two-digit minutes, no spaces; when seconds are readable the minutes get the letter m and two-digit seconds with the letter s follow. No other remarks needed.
2h54
